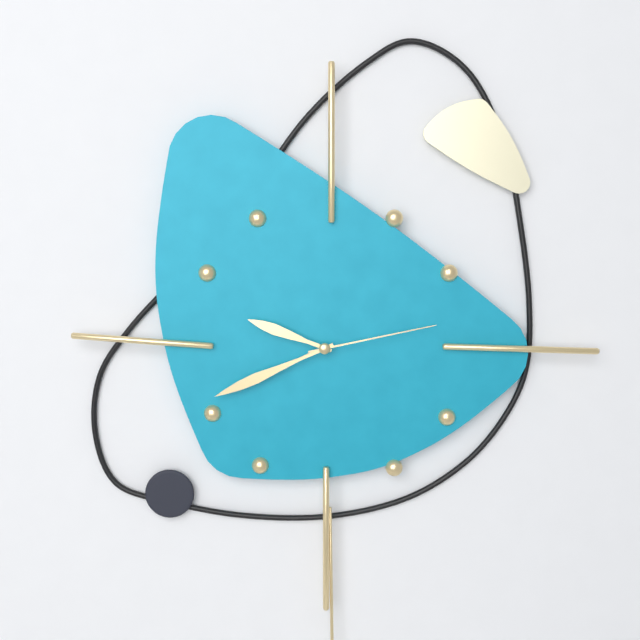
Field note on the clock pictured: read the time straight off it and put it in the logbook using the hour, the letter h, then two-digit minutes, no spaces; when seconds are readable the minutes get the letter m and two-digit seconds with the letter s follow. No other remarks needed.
9h41m13s
